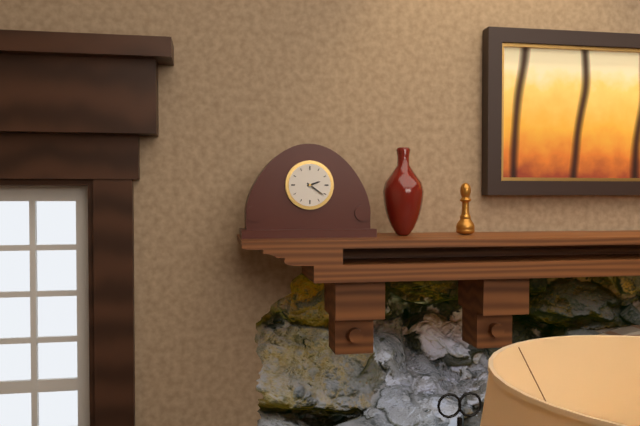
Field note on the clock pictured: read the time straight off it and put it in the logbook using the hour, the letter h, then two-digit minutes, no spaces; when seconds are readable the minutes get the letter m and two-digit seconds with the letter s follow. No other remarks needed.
2h21
